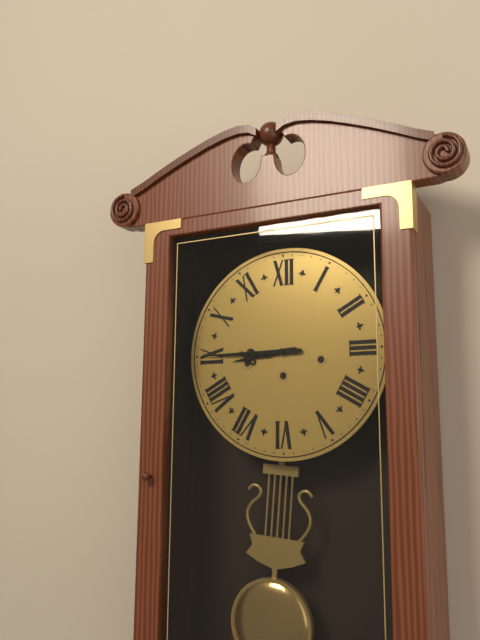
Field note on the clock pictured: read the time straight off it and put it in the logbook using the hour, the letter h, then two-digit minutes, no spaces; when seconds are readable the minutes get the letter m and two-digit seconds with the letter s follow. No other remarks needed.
8h45
